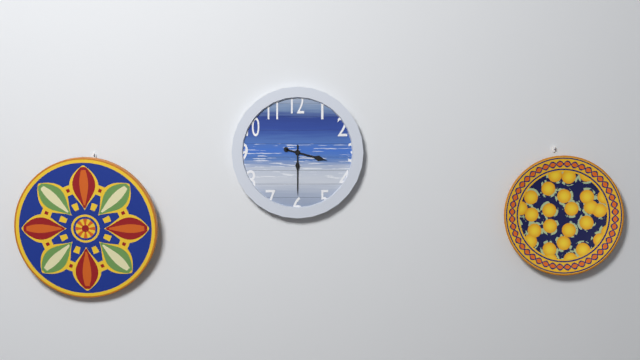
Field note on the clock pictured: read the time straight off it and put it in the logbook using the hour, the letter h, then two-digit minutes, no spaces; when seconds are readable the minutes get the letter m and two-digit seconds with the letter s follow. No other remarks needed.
3h30
